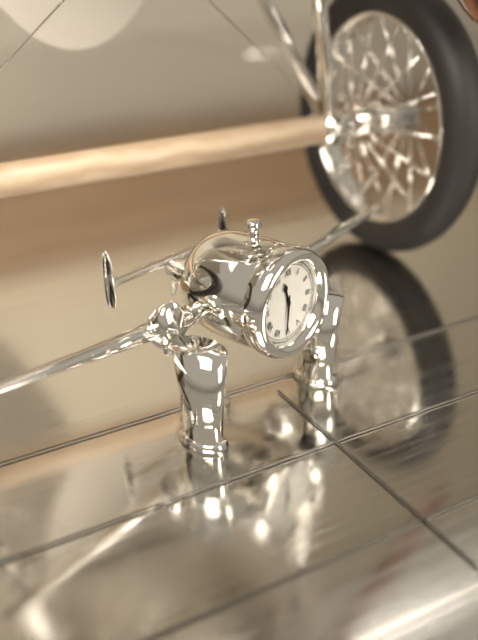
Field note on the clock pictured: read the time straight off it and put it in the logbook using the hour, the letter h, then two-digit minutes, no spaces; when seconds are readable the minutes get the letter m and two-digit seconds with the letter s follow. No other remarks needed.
11h31
